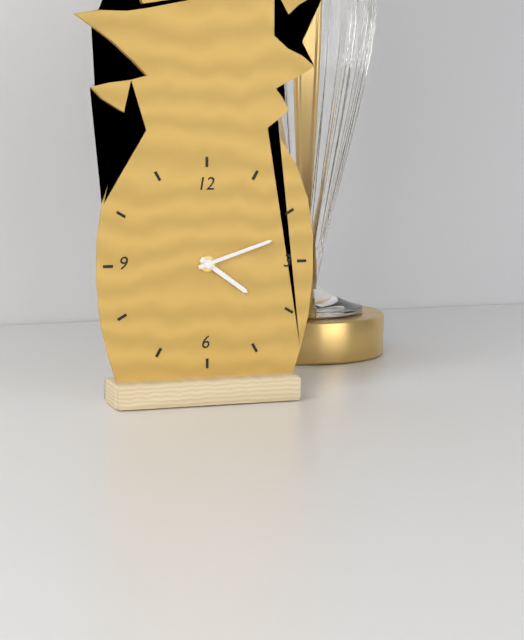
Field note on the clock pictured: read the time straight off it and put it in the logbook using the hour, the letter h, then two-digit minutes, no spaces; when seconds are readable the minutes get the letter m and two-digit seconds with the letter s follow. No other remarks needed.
4h12
